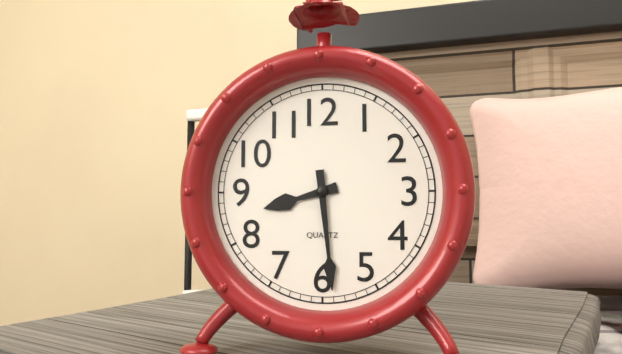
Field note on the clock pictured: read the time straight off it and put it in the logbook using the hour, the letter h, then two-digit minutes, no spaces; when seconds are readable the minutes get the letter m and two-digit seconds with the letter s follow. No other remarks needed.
8h29
